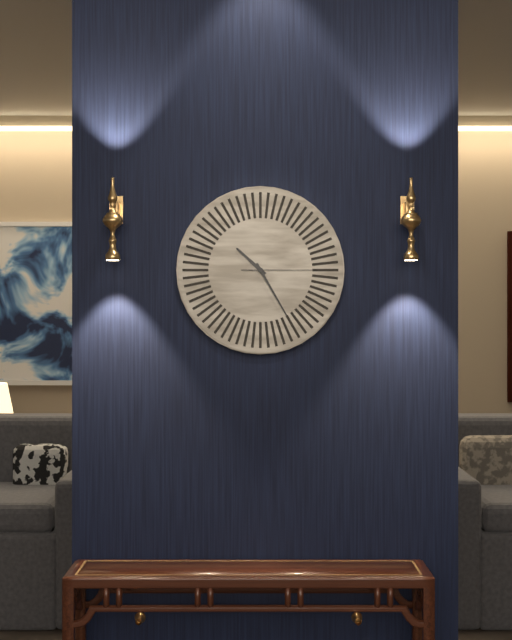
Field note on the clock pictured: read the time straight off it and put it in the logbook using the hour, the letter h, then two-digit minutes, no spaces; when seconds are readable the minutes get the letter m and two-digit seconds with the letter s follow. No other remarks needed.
10h25m15s
